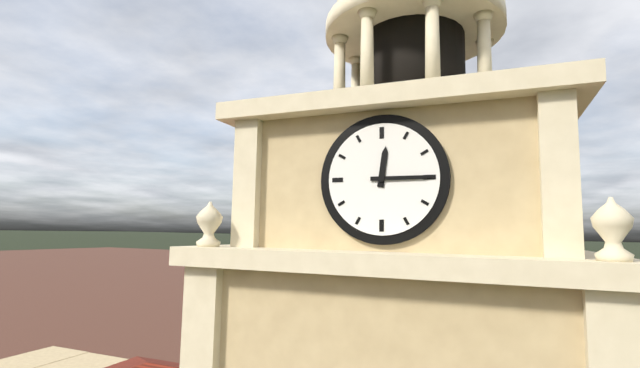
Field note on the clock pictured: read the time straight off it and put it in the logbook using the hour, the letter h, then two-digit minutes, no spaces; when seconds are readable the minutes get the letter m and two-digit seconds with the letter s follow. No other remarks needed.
12h15
